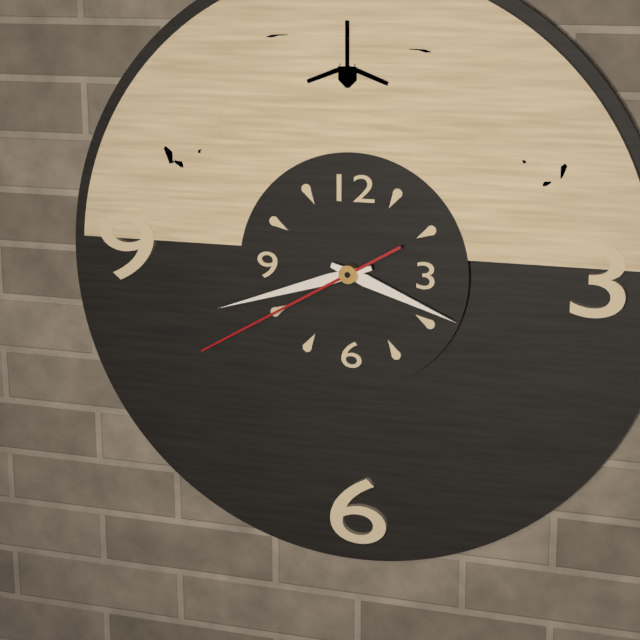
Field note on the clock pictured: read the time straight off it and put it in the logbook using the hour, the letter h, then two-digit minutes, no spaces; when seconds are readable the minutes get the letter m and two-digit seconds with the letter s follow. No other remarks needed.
3h42m40s
